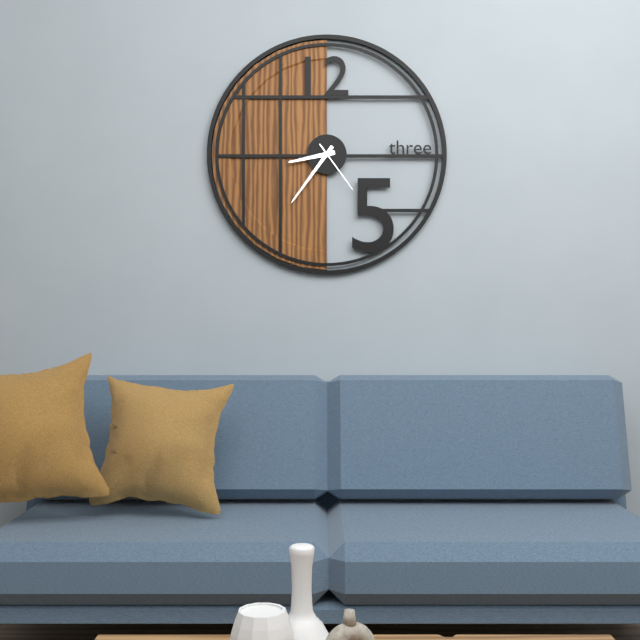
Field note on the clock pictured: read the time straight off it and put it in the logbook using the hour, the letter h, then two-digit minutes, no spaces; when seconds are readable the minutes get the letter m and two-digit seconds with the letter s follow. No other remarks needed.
8h36m24s
